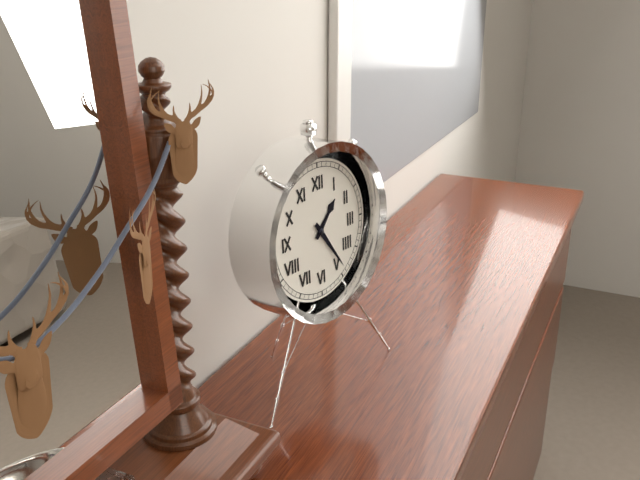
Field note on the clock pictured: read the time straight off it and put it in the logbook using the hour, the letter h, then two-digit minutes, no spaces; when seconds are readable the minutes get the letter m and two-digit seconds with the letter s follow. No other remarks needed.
1h24
